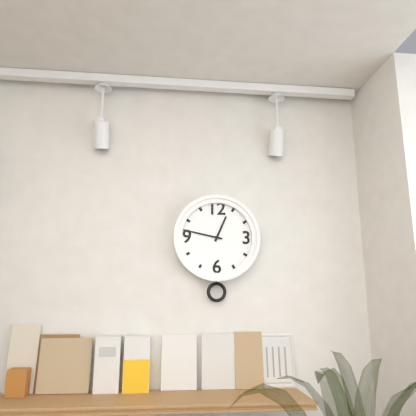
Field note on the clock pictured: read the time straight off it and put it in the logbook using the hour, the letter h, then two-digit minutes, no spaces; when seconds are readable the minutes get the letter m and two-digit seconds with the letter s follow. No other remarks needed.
12h47
